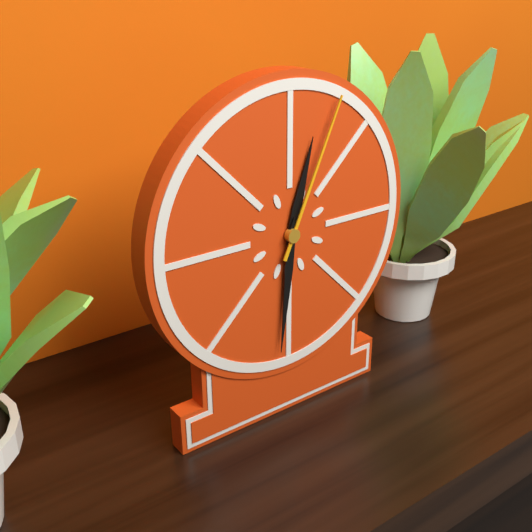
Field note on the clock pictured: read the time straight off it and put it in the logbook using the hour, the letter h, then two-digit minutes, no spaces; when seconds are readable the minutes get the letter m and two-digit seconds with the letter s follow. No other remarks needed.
12h31m04s
